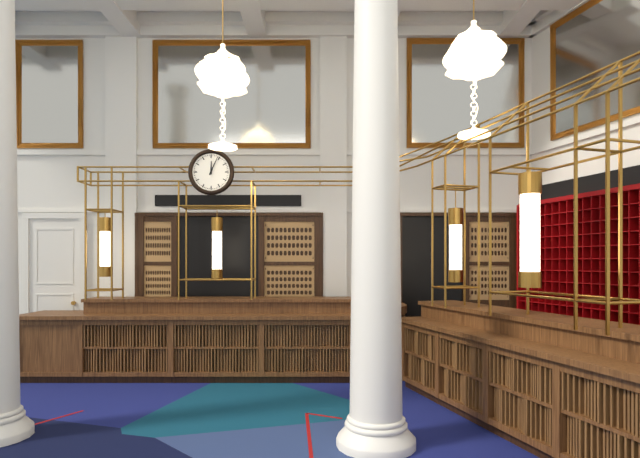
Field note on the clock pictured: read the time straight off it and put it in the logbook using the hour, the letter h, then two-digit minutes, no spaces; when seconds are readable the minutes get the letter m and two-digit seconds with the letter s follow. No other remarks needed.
12h04
